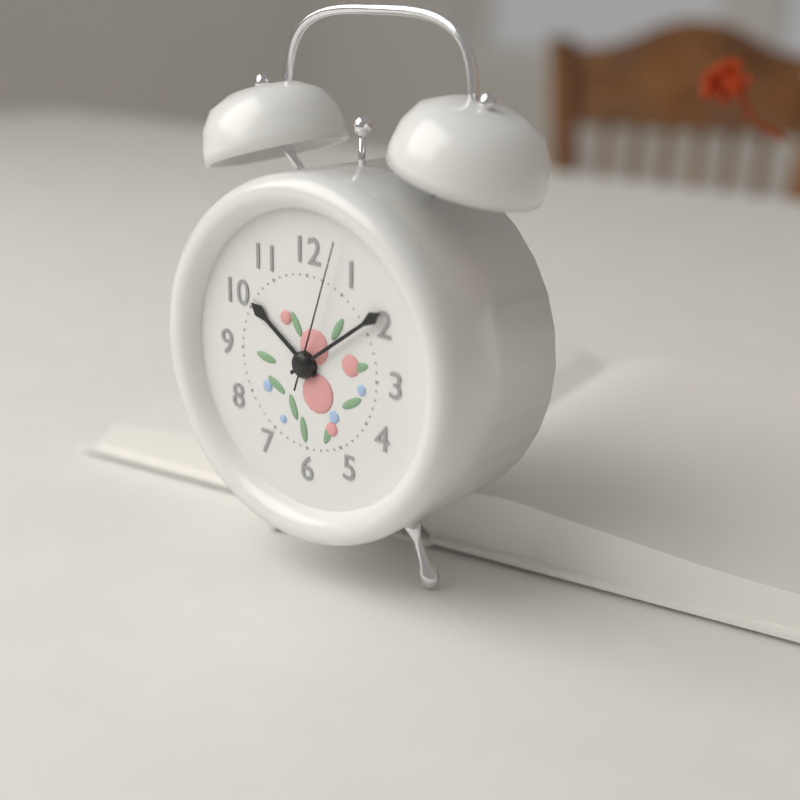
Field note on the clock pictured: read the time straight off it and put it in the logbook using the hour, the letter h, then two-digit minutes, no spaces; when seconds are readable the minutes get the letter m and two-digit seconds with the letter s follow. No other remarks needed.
10h09m03s
